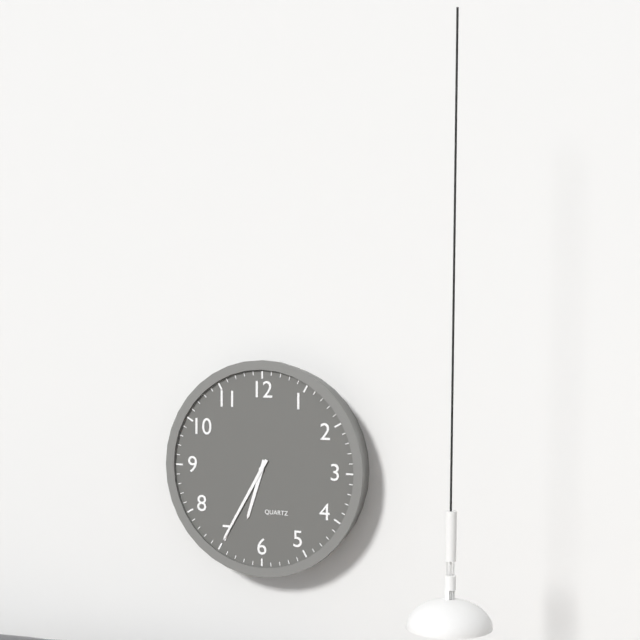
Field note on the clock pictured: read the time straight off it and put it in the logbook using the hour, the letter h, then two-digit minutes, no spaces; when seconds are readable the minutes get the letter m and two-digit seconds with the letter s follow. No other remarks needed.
6h35
